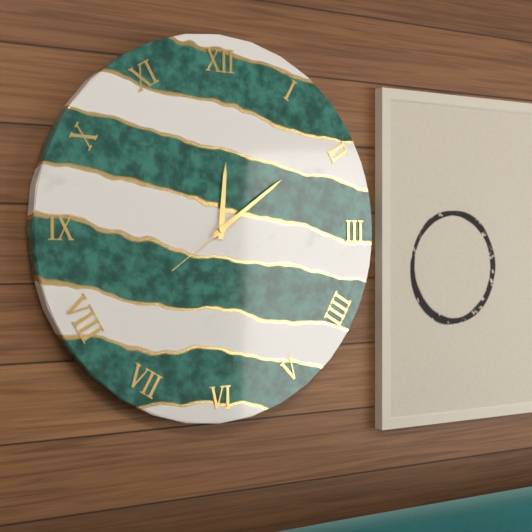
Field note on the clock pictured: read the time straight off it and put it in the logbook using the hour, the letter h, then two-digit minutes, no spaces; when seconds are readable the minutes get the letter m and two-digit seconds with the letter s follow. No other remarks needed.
12h09m39s
